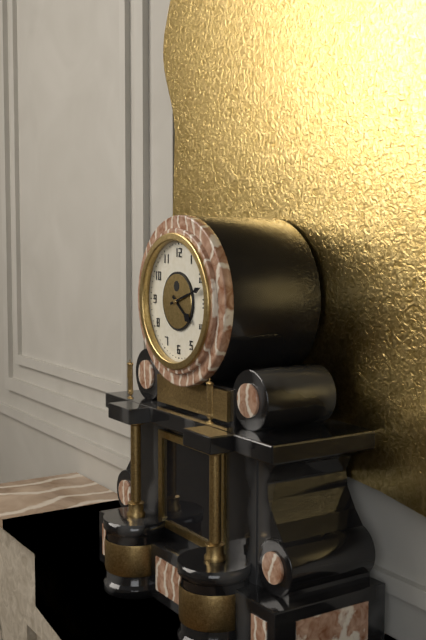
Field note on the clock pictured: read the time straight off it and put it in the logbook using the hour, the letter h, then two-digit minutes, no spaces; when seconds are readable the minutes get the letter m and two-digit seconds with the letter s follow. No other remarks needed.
4h12
